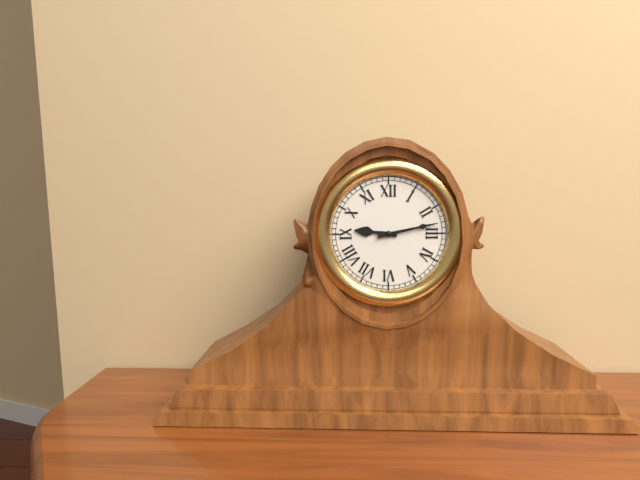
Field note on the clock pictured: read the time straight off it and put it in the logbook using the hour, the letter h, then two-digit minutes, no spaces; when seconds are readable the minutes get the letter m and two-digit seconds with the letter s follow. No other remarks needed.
9h13
